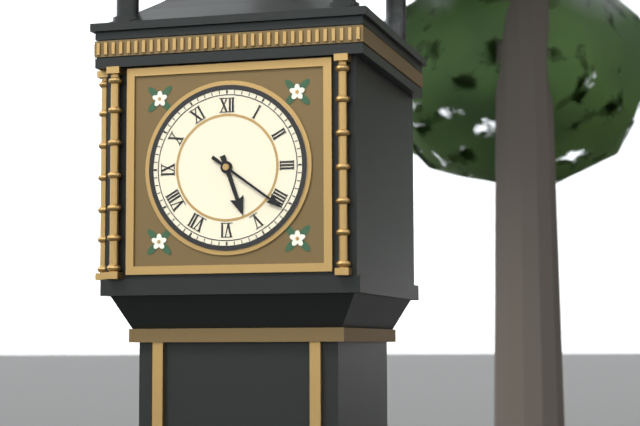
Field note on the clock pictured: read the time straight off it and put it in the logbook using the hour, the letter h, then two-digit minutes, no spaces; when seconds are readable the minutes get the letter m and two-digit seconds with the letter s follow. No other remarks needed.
5h21
